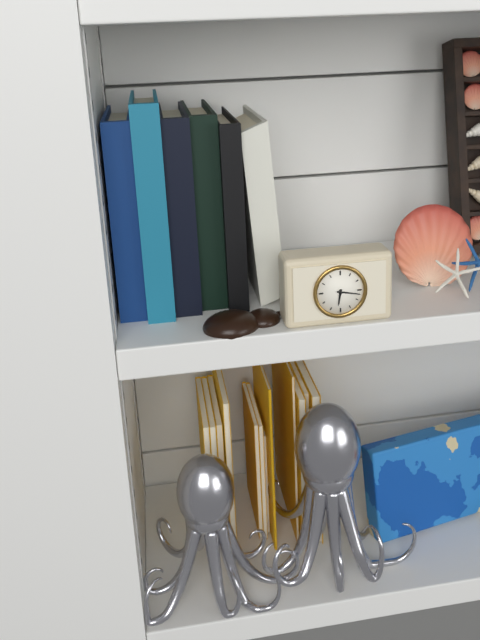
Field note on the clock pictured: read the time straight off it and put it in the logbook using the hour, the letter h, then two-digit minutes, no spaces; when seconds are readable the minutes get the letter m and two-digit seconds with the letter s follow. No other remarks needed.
6h17
